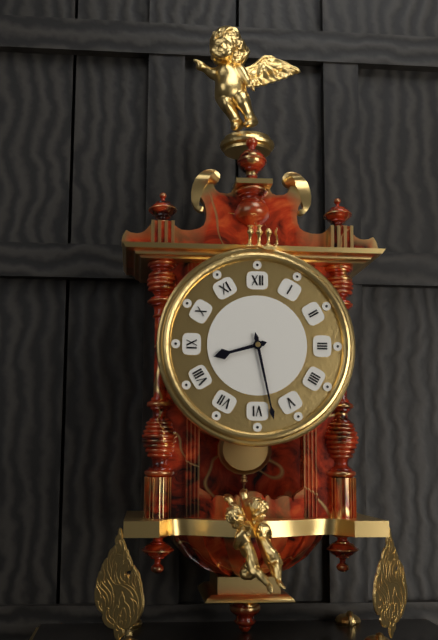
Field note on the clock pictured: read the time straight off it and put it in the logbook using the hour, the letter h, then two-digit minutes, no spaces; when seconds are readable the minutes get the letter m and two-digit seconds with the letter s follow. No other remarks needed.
8h28
